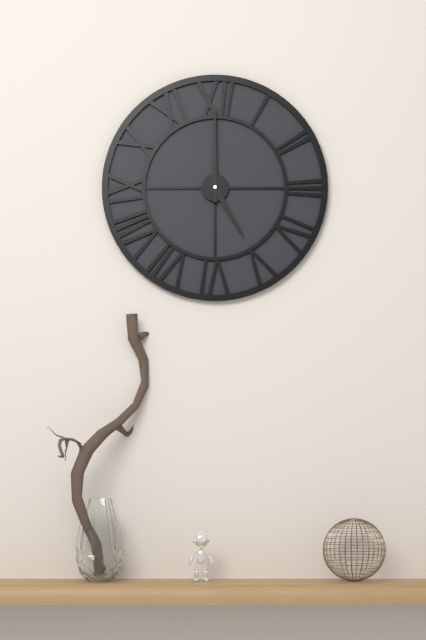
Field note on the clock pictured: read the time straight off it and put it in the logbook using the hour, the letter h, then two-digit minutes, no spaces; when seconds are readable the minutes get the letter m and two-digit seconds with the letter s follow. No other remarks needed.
5h00
